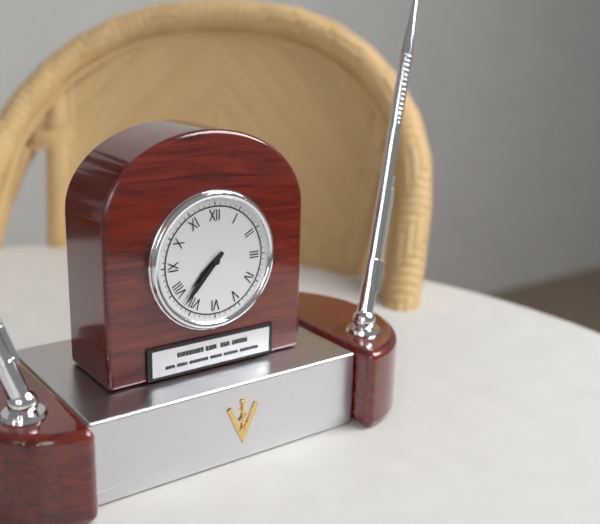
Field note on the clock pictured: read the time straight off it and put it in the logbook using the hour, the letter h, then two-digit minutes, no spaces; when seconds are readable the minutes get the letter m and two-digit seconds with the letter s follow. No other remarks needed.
7h37
